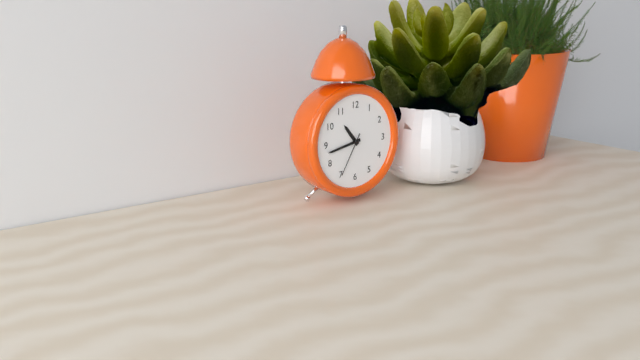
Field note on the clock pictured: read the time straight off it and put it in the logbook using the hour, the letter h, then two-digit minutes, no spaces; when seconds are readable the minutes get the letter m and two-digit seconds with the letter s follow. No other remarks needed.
10h43
